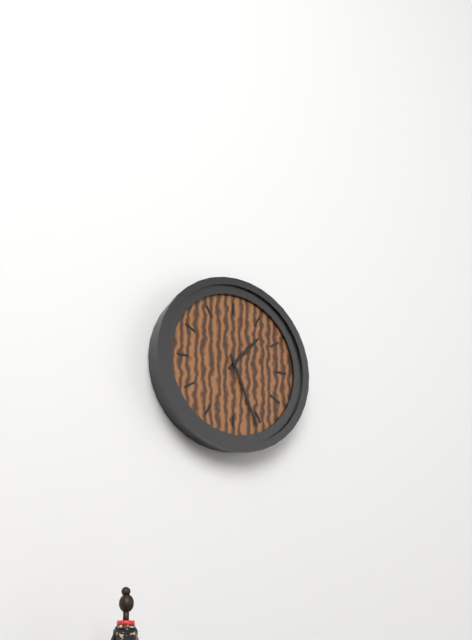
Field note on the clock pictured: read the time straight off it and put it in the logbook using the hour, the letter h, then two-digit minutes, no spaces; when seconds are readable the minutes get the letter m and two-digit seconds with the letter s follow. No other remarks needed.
1h26
